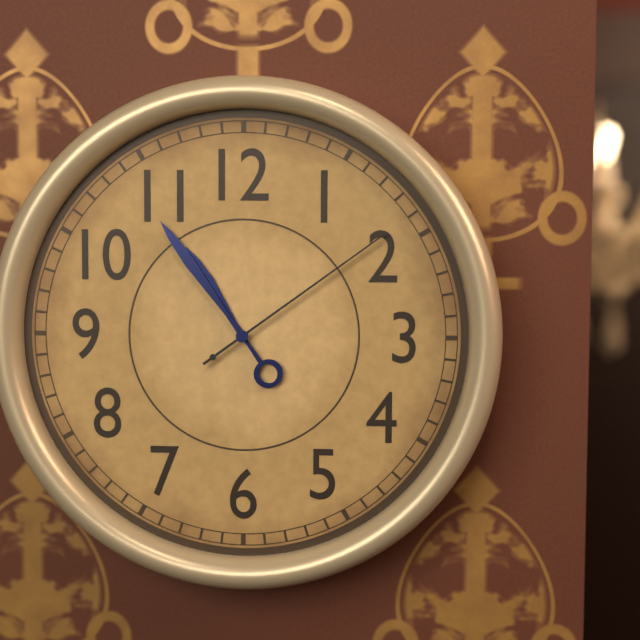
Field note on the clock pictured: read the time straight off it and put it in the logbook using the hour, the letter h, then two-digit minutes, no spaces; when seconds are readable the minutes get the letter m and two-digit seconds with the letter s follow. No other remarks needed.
10h54m09s
